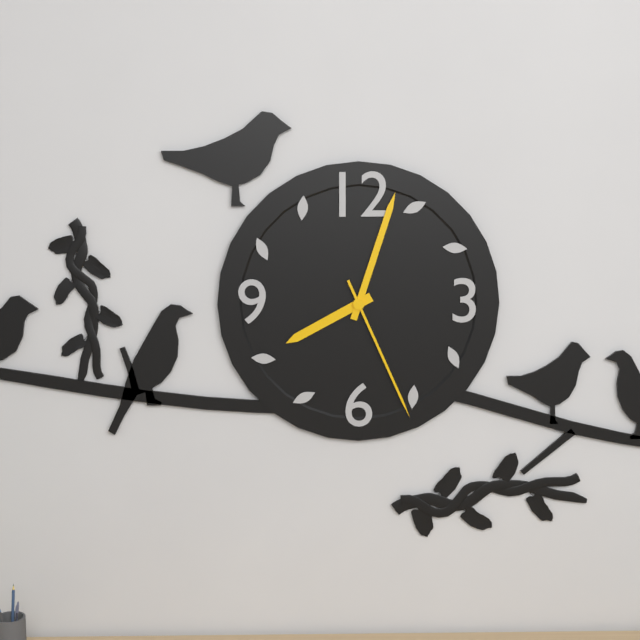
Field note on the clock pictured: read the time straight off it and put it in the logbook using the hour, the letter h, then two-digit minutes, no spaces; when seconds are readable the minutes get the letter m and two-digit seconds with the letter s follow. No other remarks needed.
8h03m26s
